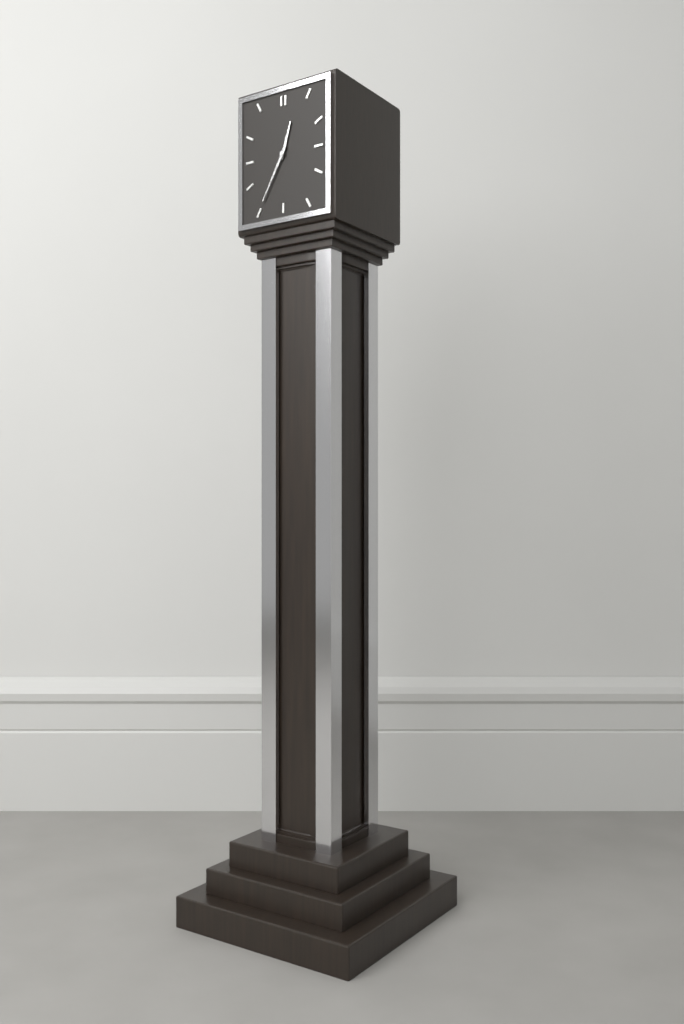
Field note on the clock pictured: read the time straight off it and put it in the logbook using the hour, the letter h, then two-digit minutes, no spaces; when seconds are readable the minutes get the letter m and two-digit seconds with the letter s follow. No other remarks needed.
12h35
